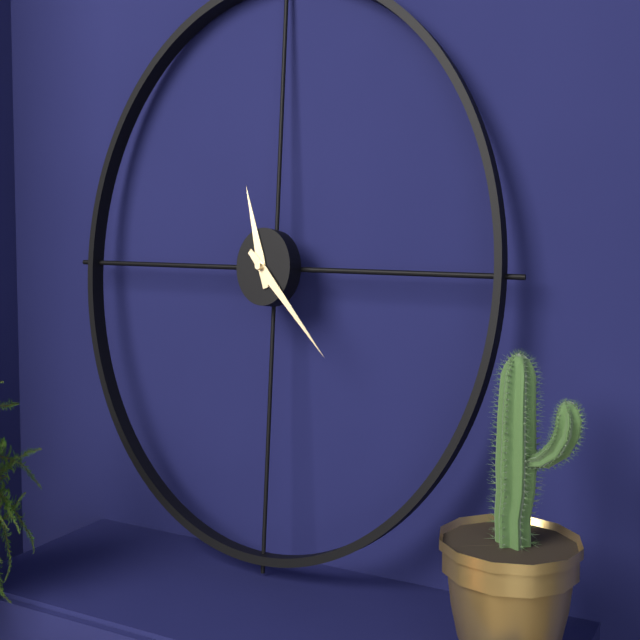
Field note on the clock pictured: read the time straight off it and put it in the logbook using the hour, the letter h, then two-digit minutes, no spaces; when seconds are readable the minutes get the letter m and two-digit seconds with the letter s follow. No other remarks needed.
11h22
